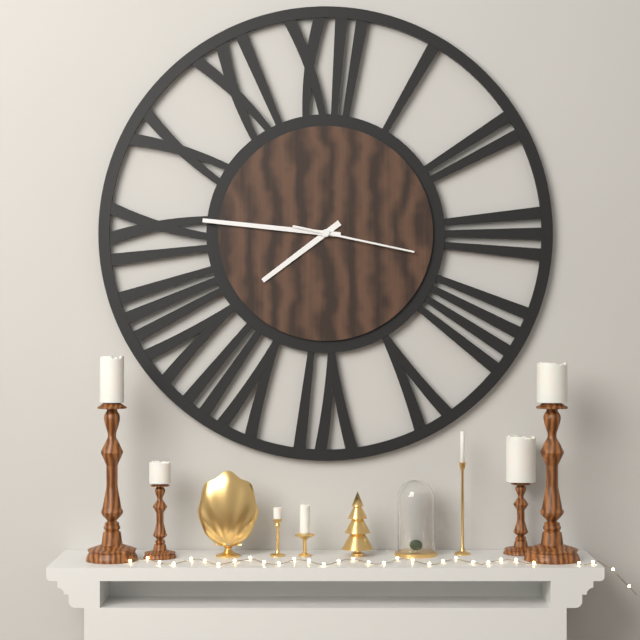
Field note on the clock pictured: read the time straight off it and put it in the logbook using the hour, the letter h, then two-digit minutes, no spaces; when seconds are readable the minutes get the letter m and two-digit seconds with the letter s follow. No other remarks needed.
7h46m17s
